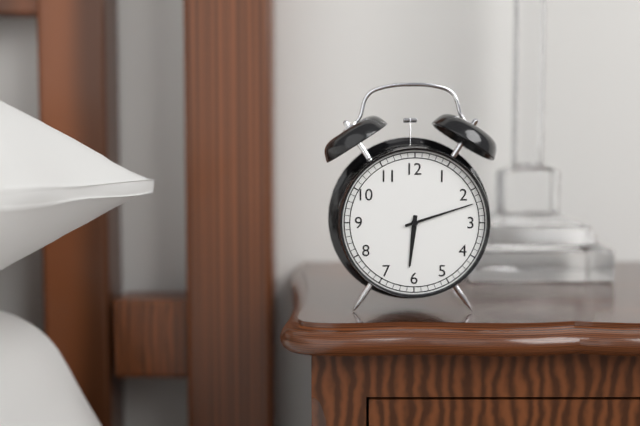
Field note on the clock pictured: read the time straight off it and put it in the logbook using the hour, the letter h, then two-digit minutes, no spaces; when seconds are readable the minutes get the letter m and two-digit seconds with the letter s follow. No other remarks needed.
6h12
